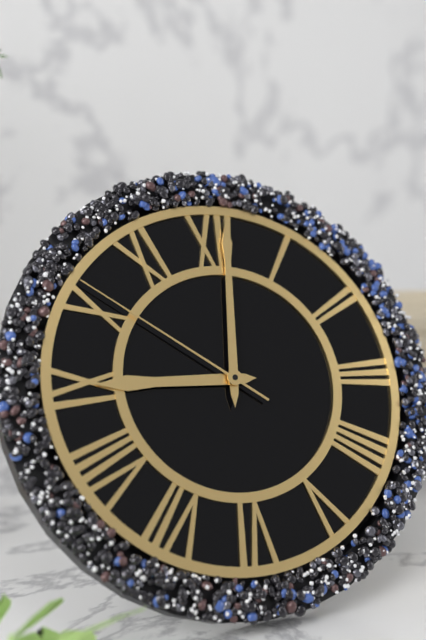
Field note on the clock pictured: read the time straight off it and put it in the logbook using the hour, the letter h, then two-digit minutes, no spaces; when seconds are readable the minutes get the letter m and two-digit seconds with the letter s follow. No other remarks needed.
9h01m51s
